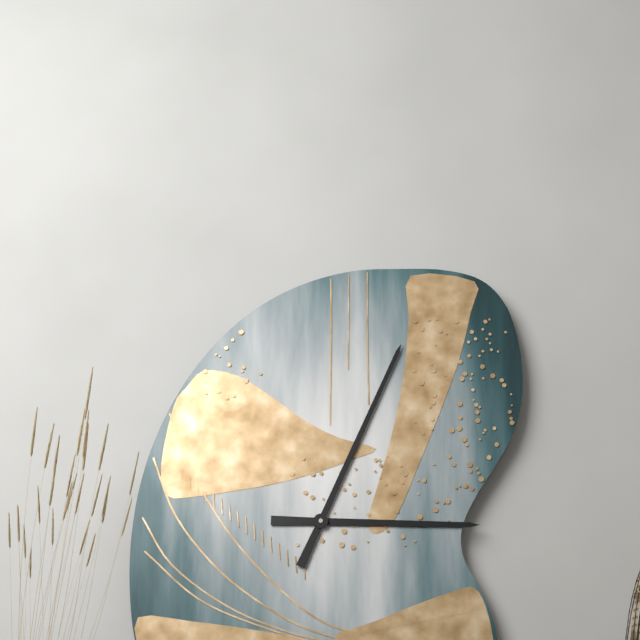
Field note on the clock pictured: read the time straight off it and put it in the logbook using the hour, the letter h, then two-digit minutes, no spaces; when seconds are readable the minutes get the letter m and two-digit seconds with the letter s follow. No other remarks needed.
3h04
